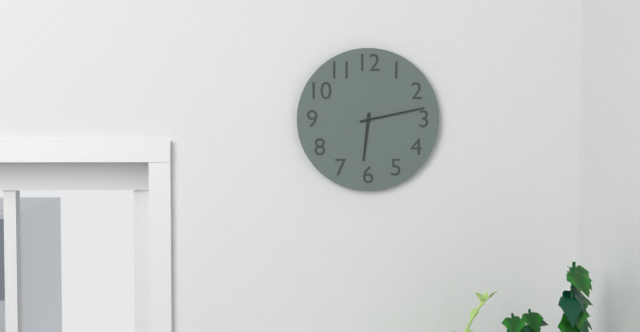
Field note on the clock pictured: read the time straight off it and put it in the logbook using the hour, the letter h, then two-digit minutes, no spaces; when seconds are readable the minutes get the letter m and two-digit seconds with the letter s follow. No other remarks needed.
6h13
